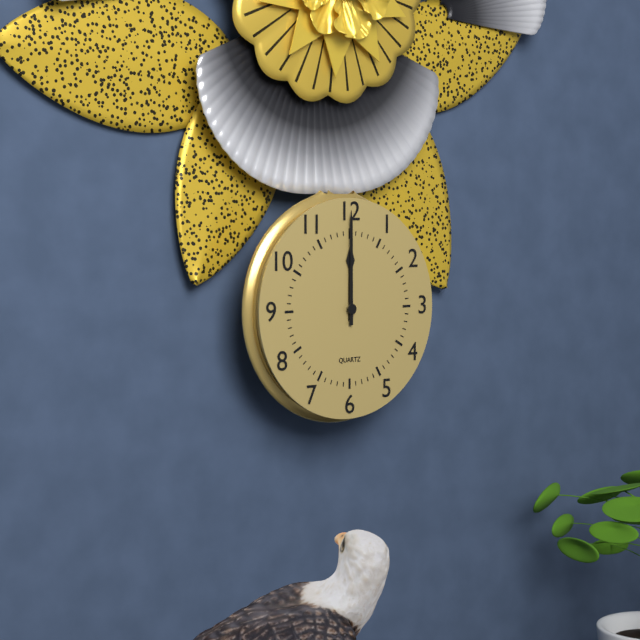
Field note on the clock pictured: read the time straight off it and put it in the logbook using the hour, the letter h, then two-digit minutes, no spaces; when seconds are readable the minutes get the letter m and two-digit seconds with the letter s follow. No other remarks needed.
12h00
